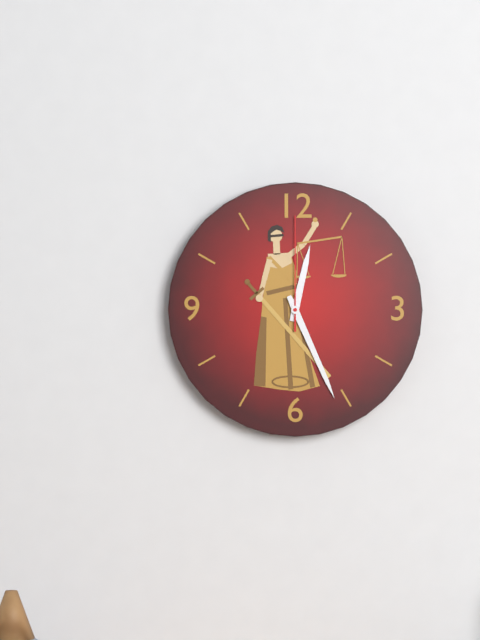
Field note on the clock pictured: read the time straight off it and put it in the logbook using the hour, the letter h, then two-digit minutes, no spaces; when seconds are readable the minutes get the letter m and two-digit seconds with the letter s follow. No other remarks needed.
12h26m00s
